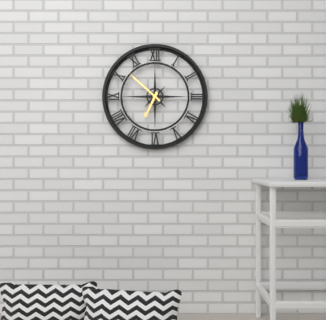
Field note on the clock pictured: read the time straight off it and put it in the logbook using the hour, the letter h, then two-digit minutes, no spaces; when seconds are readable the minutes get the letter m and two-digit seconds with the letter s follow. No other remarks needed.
6h52
